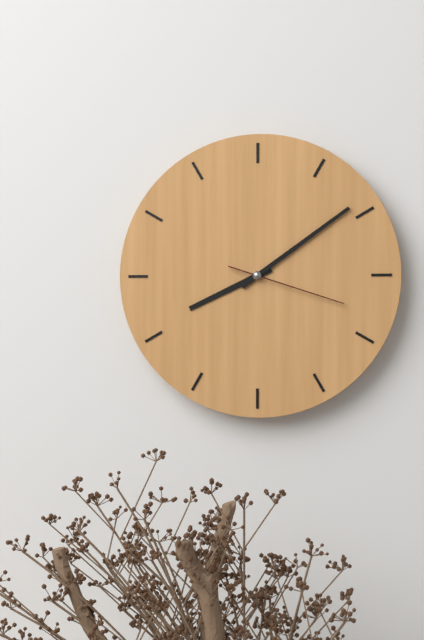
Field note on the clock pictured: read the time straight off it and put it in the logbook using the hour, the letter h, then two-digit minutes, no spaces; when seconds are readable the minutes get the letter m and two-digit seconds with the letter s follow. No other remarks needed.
8h09m18s
